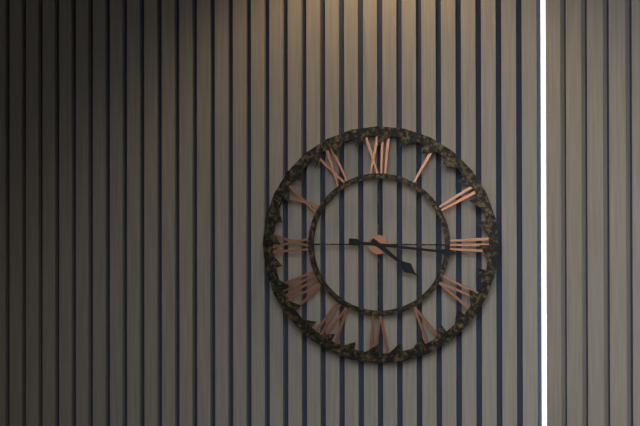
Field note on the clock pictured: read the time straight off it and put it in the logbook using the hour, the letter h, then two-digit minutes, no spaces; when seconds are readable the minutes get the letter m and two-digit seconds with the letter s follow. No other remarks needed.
4h16
